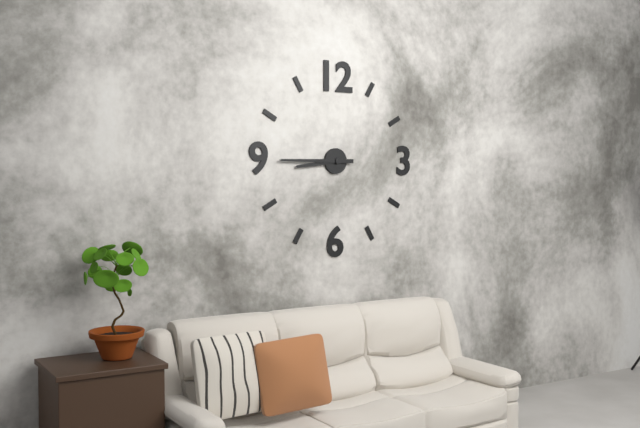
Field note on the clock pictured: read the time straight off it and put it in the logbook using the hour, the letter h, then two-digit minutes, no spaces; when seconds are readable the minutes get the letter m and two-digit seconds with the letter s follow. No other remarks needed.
8h45
